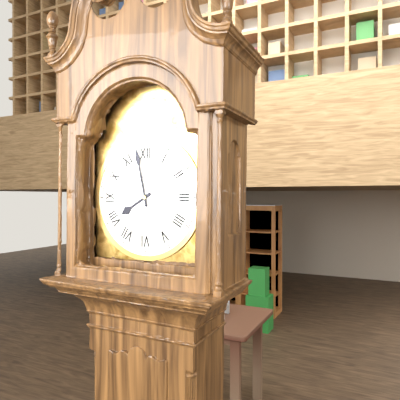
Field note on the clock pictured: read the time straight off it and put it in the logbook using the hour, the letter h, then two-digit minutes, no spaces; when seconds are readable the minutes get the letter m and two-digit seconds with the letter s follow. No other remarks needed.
7h58
